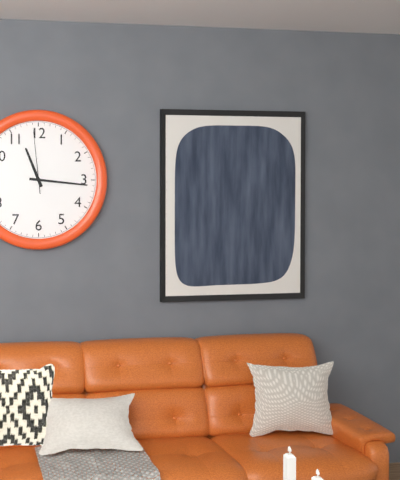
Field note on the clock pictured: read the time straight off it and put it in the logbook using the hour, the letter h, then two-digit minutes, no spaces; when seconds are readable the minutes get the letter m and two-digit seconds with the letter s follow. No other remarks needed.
11h16m59s
